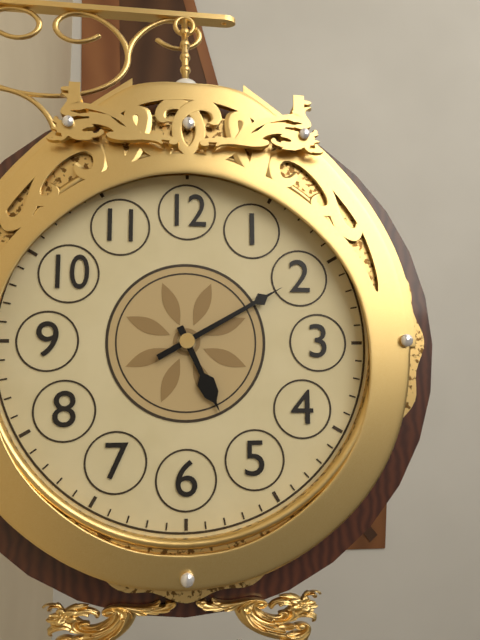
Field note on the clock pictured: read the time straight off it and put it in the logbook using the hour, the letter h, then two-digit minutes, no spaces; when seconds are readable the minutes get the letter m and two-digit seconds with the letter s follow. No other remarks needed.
5h10
